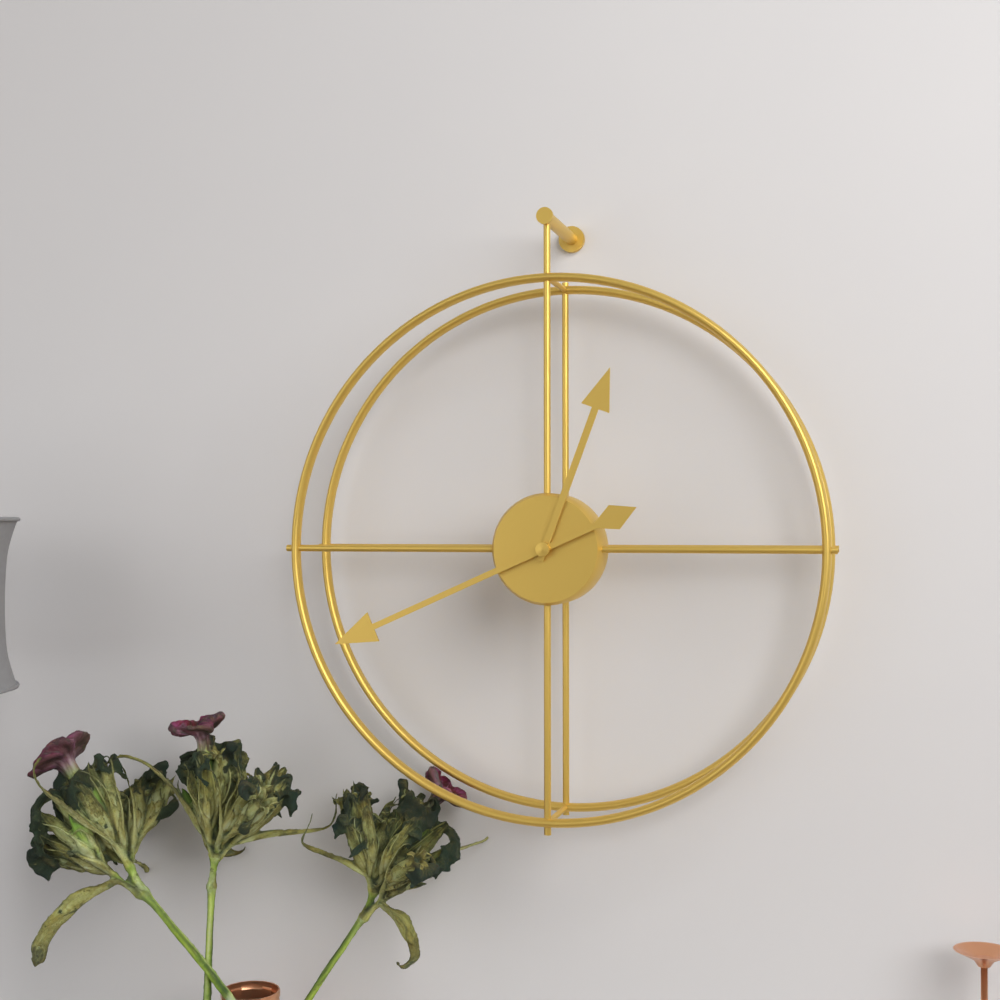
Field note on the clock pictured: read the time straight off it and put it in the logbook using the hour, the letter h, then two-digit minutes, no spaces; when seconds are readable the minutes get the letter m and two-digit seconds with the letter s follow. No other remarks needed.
12h41
